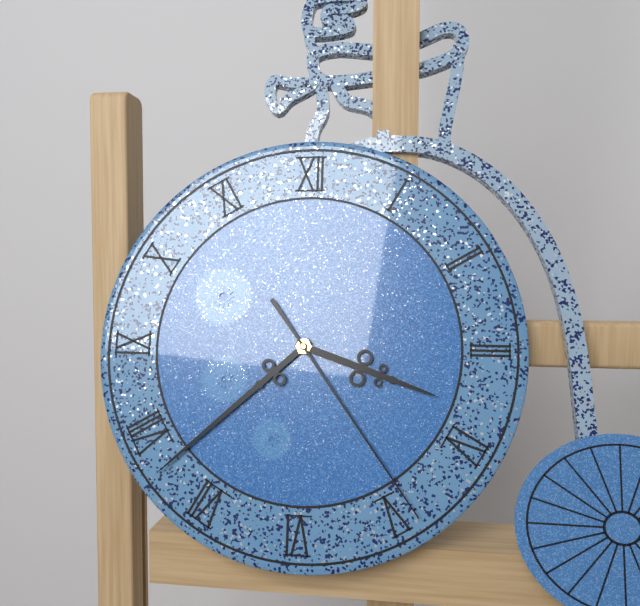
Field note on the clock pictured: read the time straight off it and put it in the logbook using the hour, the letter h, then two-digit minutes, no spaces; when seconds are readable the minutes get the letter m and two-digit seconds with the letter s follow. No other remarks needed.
3h38m24s
